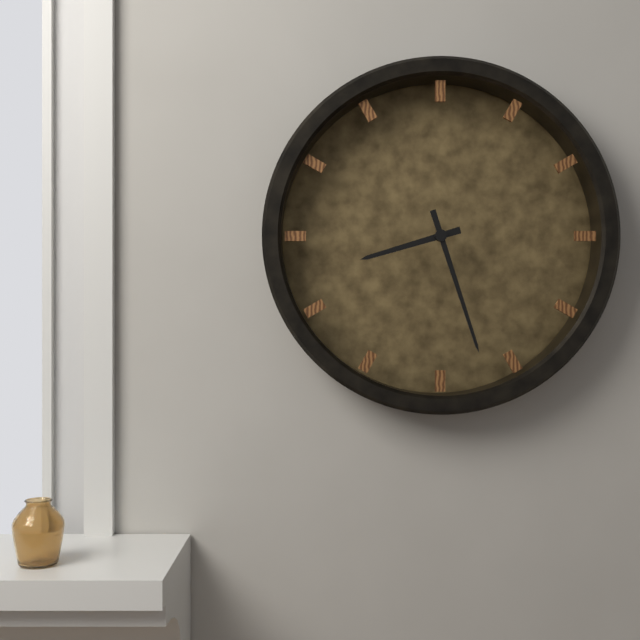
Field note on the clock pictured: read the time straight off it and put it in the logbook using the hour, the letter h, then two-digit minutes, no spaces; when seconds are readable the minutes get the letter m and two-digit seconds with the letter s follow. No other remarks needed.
8h27
